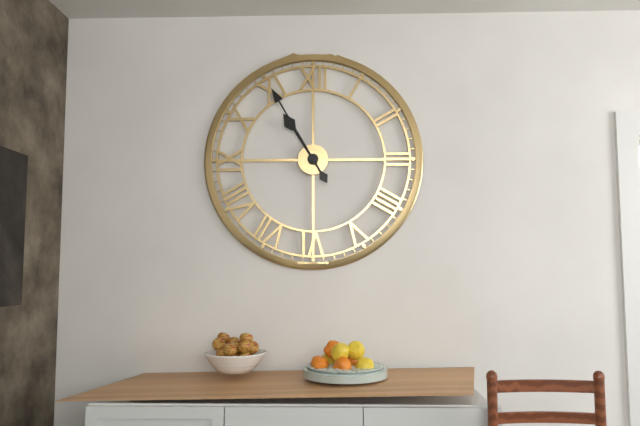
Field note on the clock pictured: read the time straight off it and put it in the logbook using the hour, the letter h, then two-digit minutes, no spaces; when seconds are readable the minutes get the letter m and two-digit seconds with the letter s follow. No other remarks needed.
10h55
